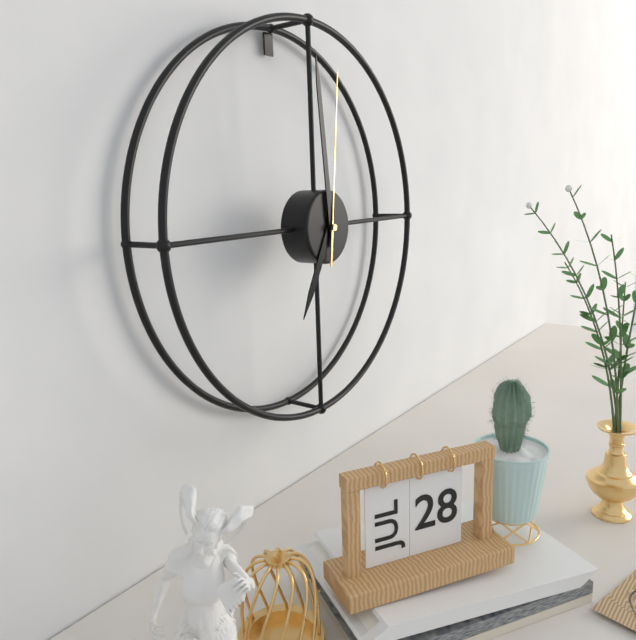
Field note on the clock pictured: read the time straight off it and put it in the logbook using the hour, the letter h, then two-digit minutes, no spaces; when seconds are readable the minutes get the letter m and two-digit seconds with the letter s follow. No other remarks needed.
6h59m01s
